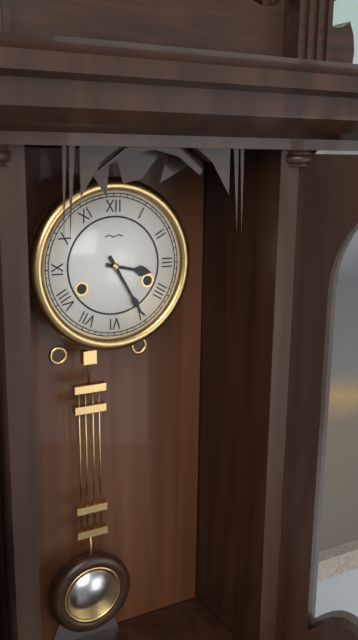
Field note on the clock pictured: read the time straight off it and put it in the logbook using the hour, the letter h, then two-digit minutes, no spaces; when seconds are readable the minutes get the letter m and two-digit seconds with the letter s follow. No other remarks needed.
3h25
